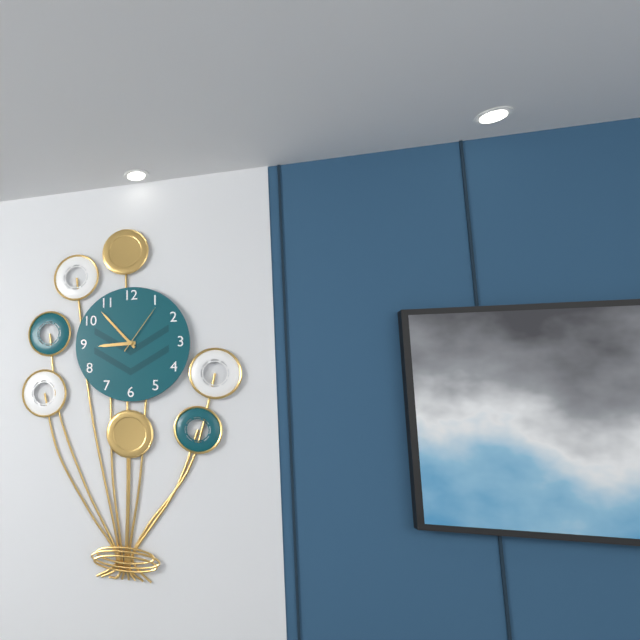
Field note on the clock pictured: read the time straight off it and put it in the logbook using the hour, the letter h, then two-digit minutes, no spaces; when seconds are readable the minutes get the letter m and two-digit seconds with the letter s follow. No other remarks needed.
8h53m06s
